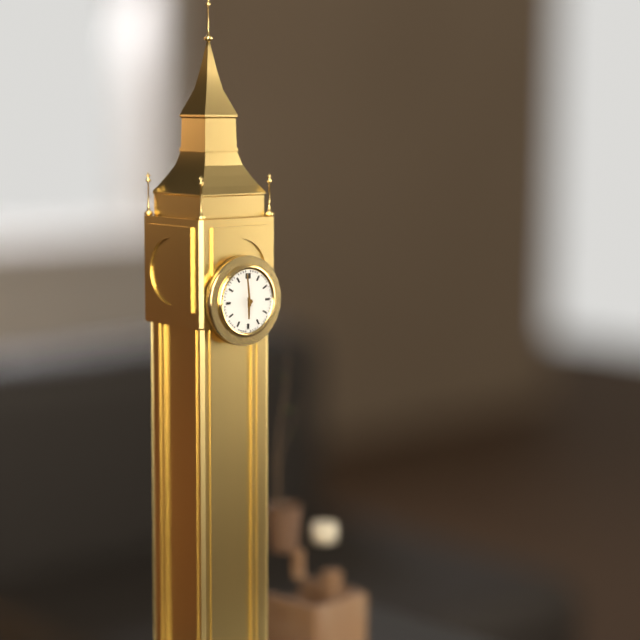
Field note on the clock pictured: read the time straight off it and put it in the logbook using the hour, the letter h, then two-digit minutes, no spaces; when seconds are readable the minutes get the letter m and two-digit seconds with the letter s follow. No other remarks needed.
5h59
